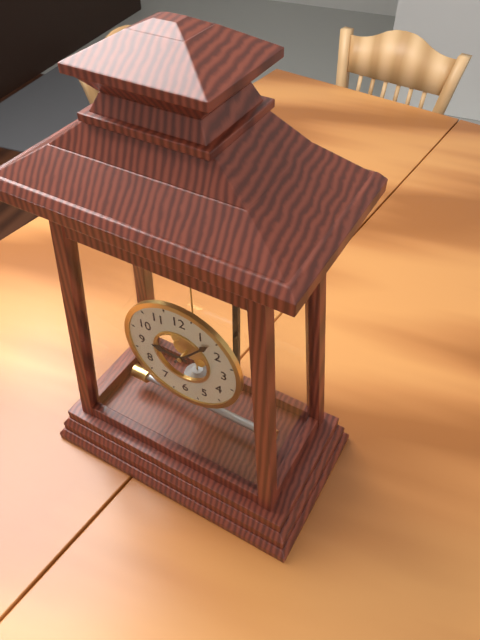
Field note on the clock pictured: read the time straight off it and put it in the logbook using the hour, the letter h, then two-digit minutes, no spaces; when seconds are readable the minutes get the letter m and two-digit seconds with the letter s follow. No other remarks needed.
9h07
